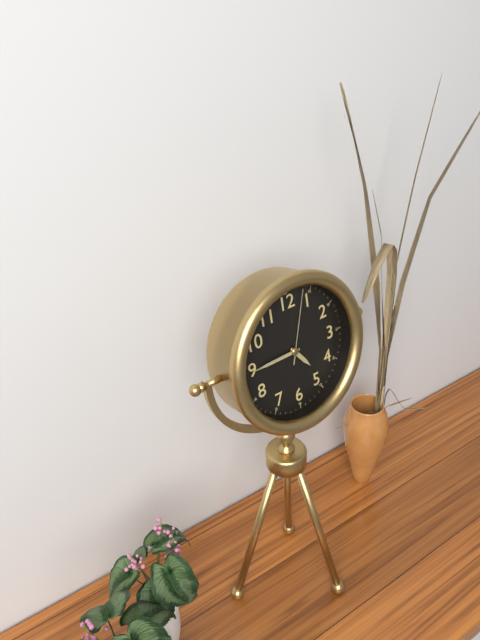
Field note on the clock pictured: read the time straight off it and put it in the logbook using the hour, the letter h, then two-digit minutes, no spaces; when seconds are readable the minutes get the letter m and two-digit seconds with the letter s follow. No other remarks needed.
4h45m03s
